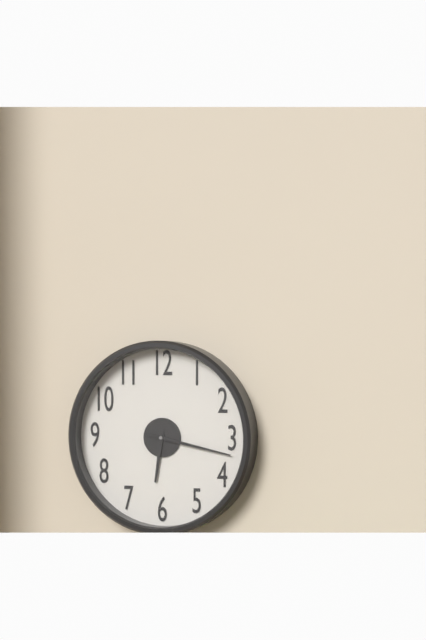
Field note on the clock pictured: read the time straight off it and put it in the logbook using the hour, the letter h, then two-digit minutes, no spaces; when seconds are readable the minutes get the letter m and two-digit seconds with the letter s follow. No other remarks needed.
6h17
